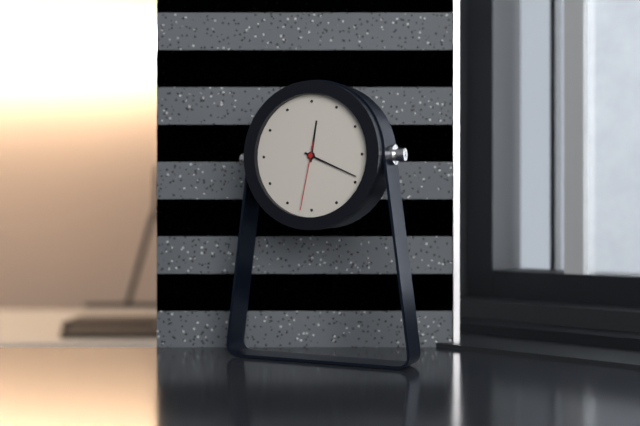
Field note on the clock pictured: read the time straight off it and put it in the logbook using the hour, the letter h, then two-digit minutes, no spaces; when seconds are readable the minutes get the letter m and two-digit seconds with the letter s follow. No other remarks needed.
12h19m32s
